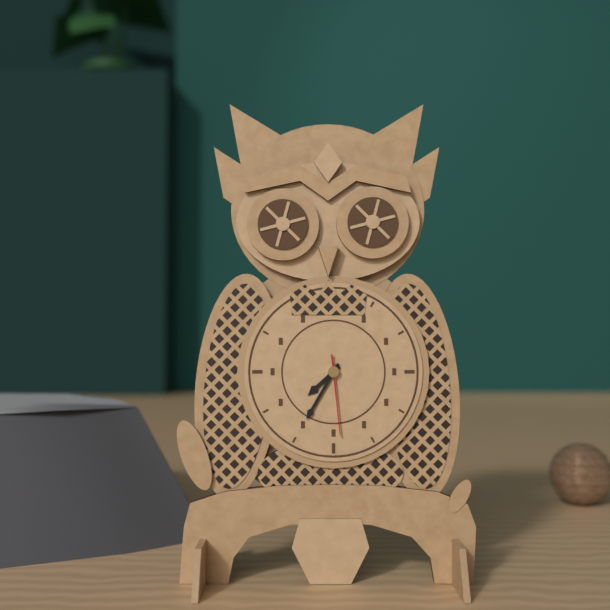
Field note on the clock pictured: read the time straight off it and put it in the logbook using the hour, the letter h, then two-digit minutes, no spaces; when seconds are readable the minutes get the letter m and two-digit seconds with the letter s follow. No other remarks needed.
7h35m29s
